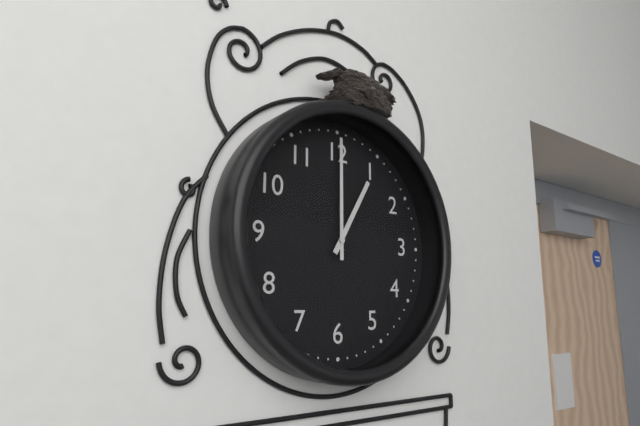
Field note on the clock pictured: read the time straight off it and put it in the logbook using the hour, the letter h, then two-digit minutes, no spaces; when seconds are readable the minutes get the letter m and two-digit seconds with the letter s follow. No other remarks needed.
1h00
